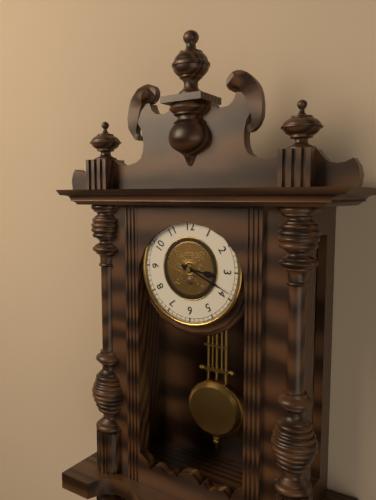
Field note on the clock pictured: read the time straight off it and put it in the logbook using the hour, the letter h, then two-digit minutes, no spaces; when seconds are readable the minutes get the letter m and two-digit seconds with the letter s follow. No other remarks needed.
3h19
